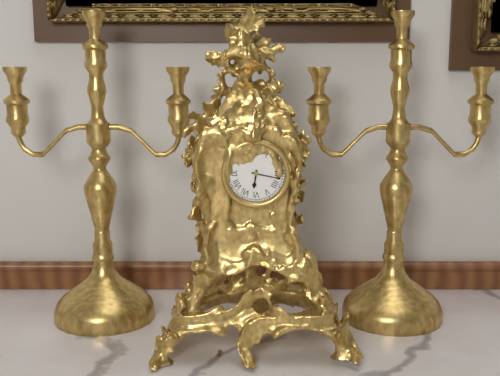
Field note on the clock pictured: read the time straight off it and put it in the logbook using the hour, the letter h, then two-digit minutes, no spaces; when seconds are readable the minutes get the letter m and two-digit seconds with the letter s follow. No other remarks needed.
6h17
